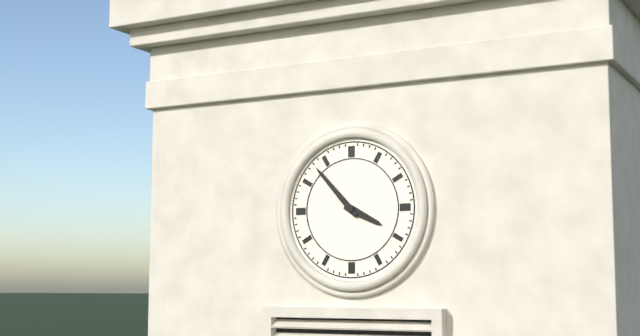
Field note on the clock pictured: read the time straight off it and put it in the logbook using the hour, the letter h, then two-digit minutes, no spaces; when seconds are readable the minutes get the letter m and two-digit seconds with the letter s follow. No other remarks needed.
3h53
